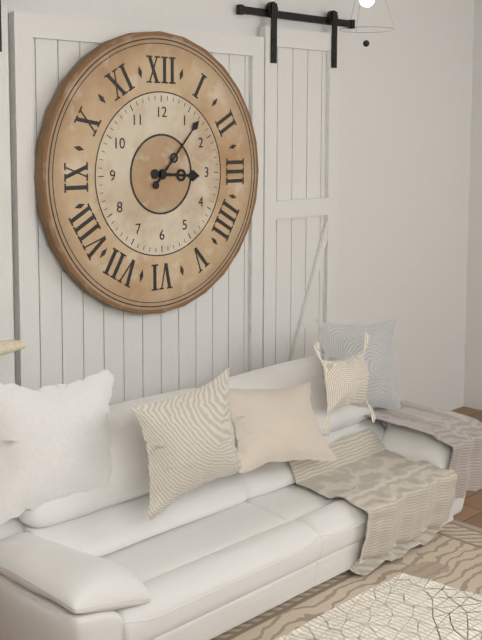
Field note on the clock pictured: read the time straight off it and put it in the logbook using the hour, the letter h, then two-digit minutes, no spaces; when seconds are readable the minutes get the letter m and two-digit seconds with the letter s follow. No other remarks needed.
3h07
